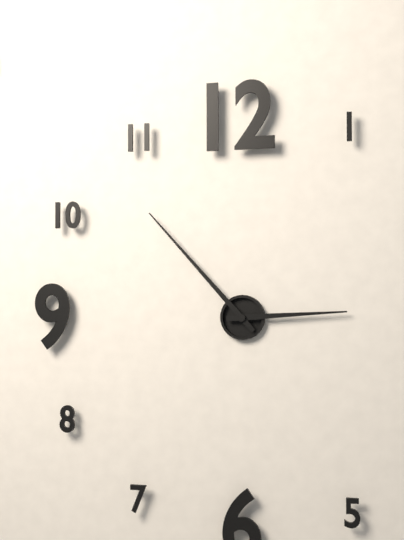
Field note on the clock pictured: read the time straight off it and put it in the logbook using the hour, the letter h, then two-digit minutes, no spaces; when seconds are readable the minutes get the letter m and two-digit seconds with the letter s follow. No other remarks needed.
2h53
